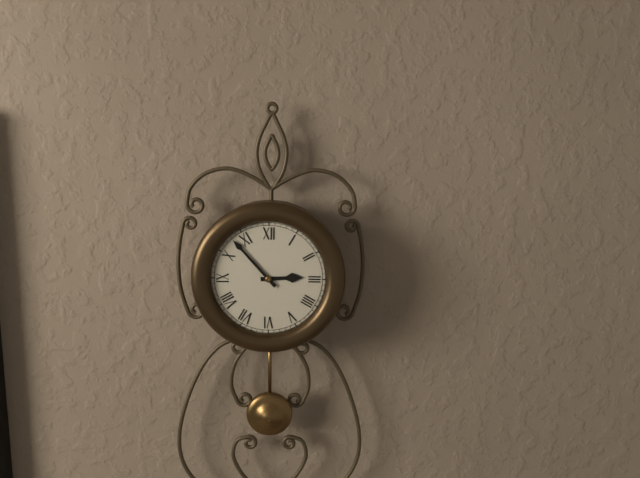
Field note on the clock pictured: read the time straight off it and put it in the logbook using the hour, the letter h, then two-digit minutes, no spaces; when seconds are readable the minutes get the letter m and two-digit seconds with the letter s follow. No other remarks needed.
2h53
